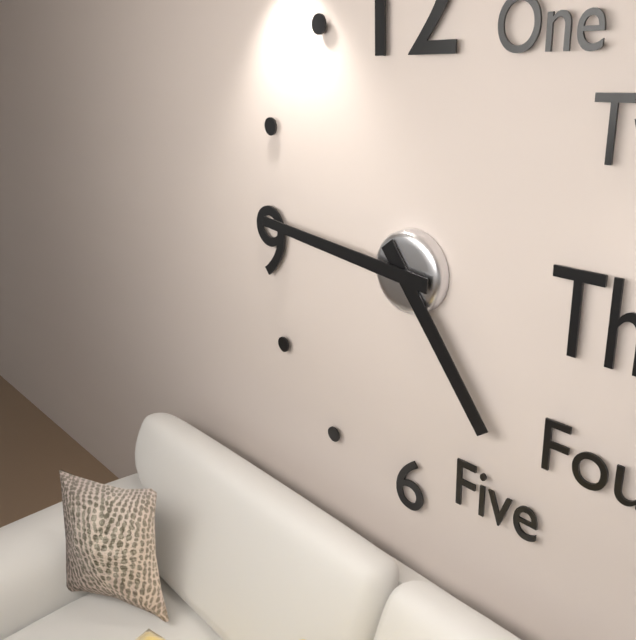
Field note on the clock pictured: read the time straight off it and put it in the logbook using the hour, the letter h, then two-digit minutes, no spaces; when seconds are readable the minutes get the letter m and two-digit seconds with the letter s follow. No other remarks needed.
4h46
